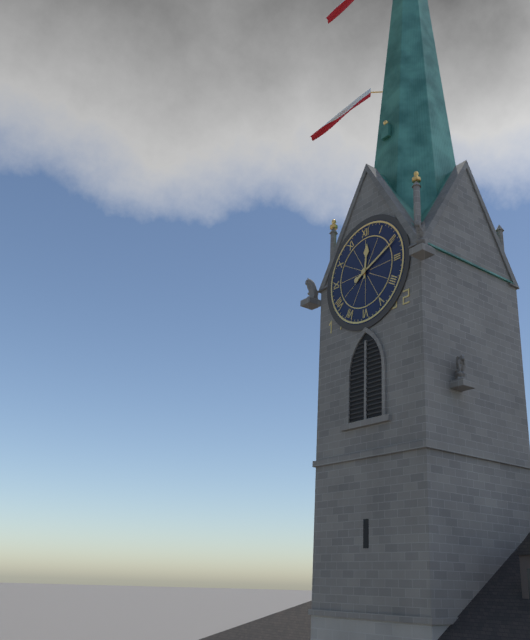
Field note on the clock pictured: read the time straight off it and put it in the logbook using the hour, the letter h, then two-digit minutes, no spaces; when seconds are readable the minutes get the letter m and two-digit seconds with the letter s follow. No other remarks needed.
12h11
